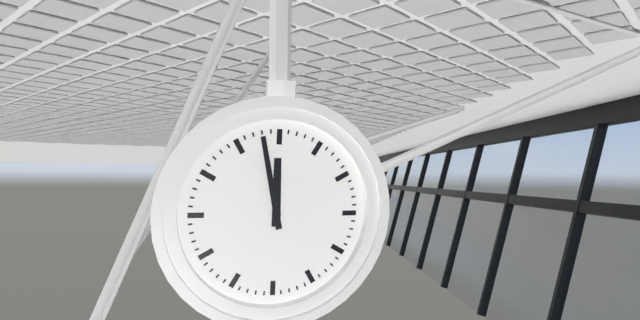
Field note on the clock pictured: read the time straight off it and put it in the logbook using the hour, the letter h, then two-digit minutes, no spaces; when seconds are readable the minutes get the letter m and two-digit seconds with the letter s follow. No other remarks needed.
11h58
